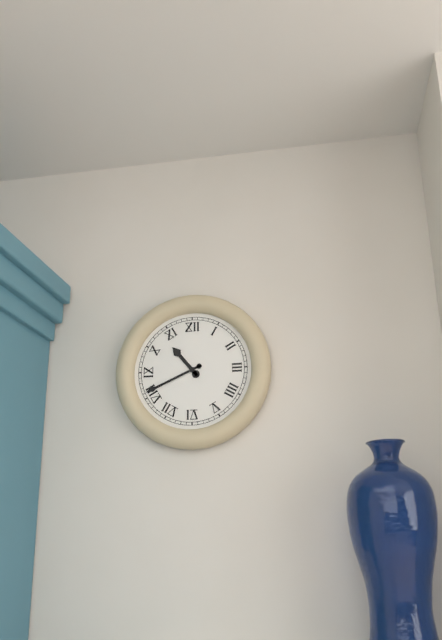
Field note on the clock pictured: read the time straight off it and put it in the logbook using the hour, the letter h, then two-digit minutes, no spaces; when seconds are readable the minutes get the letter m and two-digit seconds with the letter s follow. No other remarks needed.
10h41
